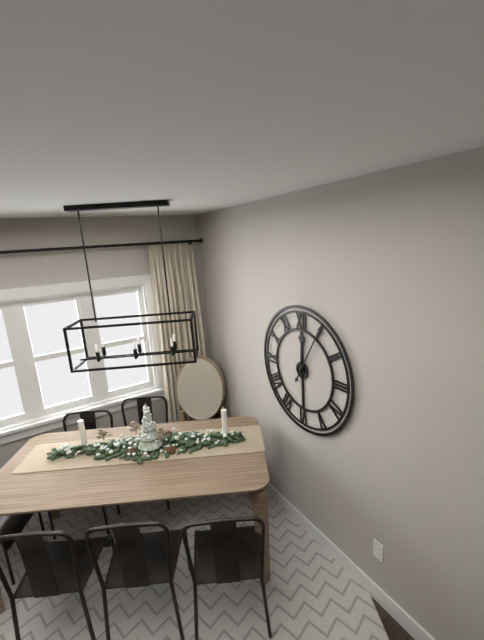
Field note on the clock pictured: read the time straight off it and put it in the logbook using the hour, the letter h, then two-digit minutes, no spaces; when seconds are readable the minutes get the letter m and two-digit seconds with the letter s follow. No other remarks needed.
12h05
